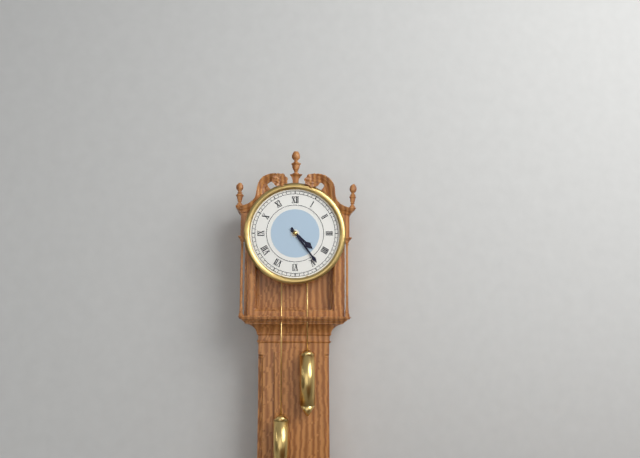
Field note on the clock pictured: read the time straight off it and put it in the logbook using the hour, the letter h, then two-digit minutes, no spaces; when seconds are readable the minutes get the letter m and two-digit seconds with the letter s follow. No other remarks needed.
4h24
